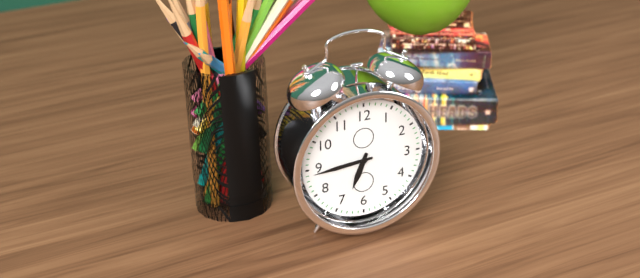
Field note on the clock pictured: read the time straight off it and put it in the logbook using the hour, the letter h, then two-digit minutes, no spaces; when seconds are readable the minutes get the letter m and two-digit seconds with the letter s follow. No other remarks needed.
6h44
